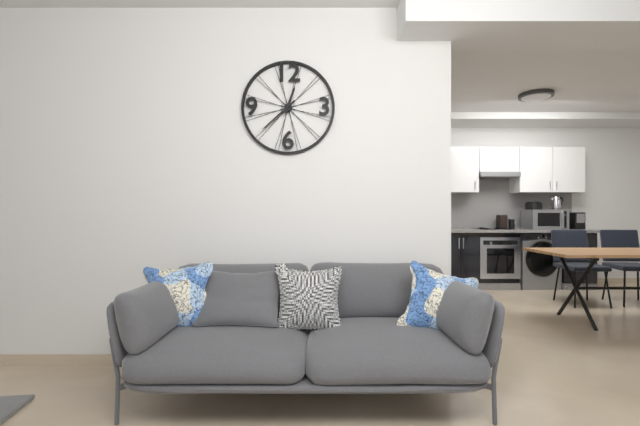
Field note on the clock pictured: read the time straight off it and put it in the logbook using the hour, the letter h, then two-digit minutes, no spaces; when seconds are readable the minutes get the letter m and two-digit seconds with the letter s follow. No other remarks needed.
12h38
